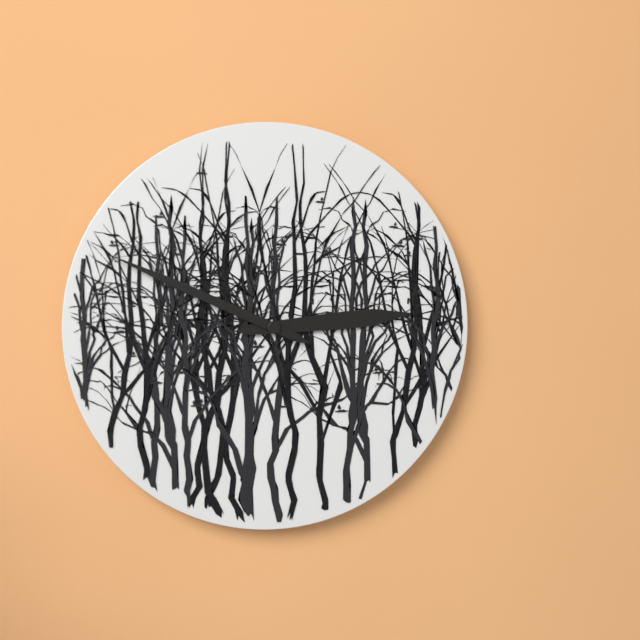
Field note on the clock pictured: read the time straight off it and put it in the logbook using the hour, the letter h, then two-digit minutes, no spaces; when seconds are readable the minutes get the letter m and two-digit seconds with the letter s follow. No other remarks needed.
2h49
